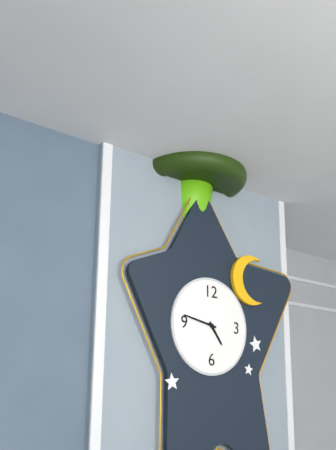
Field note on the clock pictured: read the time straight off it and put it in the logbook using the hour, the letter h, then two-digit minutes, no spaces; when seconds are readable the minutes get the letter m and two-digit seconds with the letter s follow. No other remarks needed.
4h47
